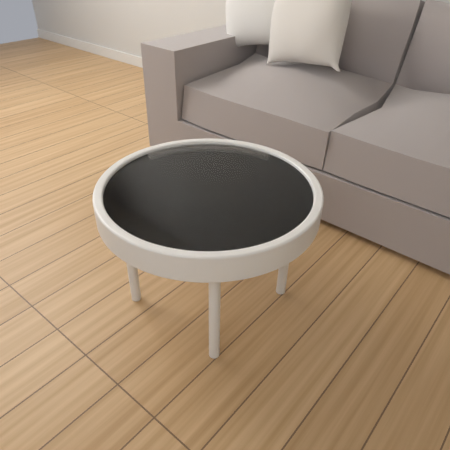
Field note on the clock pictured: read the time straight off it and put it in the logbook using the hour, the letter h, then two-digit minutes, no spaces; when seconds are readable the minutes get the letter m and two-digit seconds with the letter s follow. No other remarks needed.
5h22
